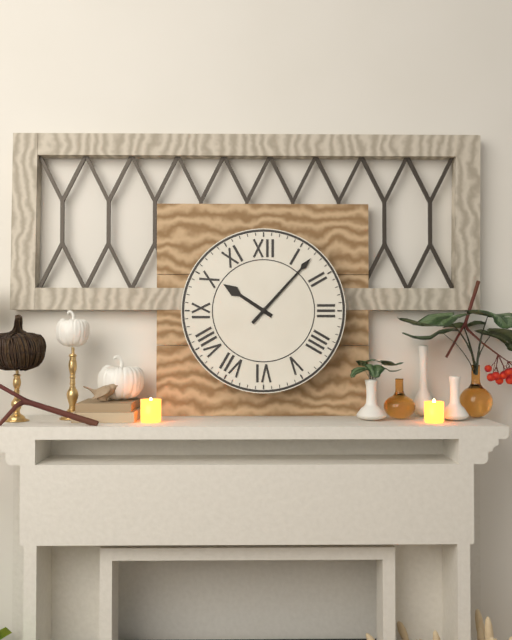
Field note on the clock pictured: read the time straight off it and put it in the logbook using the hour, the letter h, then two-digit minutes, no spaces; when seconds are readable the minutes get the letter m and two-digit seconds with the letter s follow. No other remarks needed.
10h07
